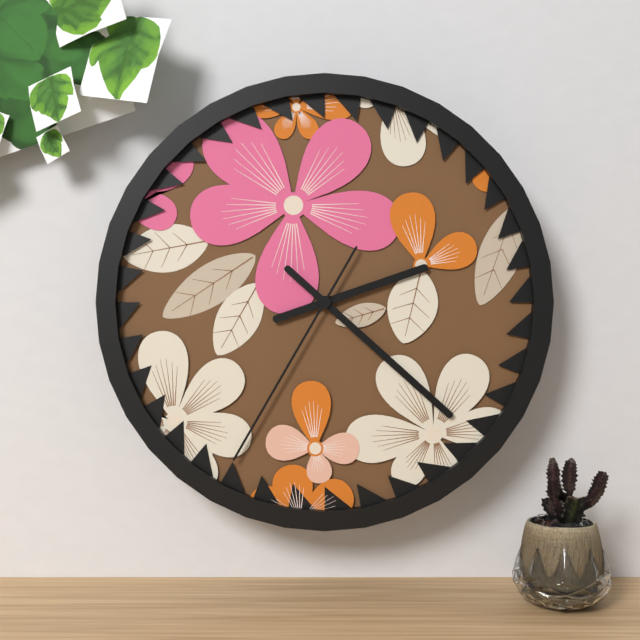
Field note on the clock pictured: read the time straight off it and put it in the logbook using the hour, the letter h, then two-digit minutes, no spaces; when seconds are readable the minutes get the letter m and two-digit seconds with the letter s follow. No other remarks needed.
2h22m35s
